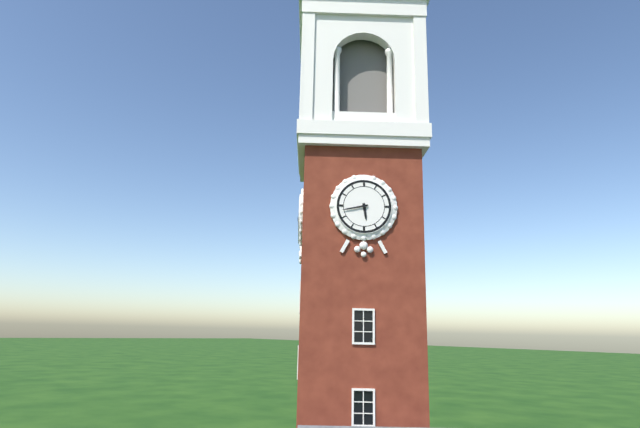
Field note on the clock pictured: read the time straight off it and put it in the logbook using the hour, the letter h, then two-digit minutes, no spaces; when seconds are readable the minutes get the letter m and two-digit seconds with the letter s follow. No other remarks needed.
5h43
